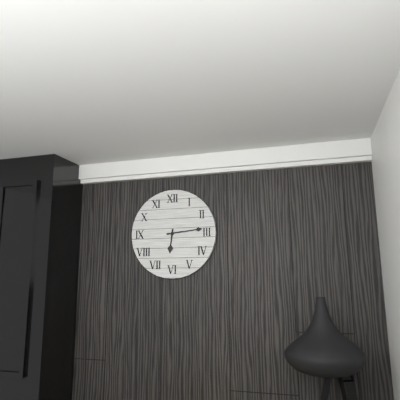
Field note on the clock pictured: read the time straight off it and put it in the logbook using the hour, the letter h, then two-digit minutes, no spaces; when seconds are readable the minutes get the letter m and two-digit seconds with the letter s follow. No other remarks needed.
6h14
